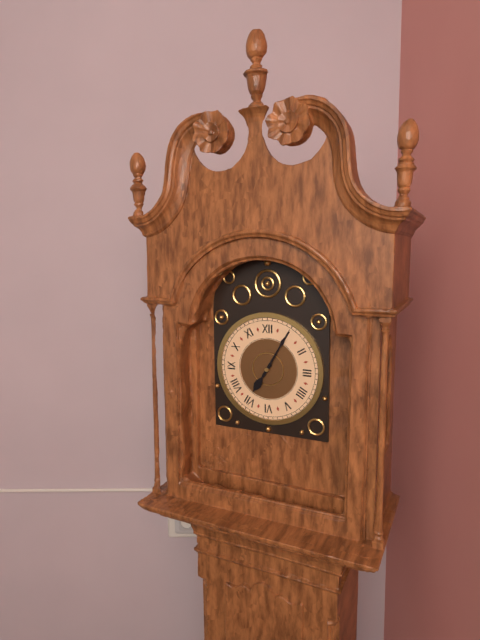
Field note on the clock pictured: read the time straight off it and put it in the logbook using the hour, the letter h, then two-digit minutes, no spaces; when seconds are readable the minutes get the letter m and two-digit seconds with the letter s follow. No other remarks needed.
7h05
